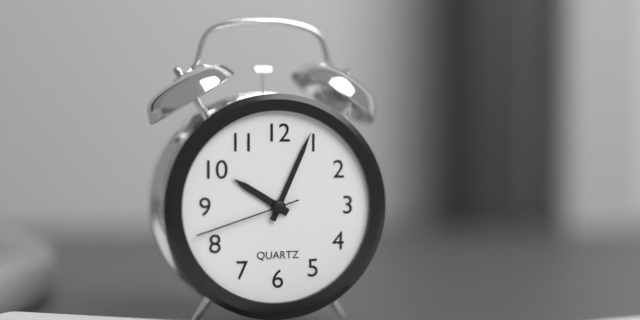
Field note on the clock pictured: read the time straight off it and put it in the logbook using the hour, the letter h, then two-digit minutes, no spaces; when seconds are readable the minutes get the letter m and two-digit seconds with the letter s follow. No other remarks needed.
10h04m42s
